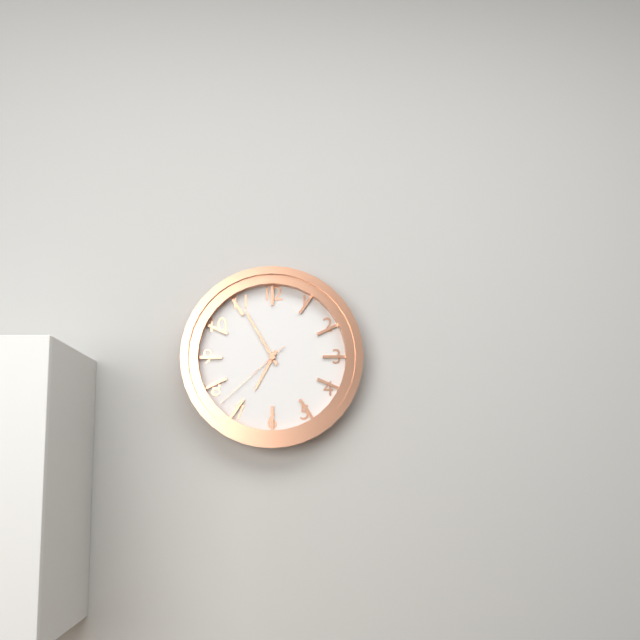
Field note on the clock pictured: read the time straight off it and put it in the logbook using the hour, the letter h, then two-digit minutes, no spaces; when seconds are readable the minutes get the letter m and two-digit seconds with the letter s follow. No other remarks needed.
6h55m38s
